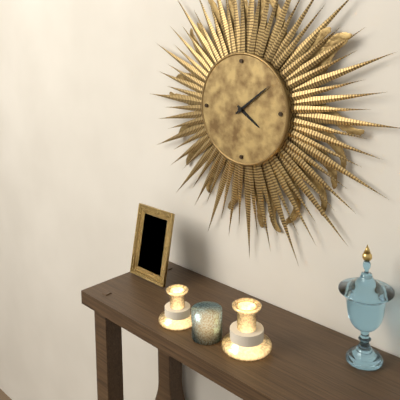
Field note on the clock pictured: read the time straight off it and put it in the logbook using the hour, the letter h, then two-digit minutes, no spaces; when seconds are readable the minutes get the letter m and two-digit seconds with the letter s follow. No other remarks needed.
4h09
